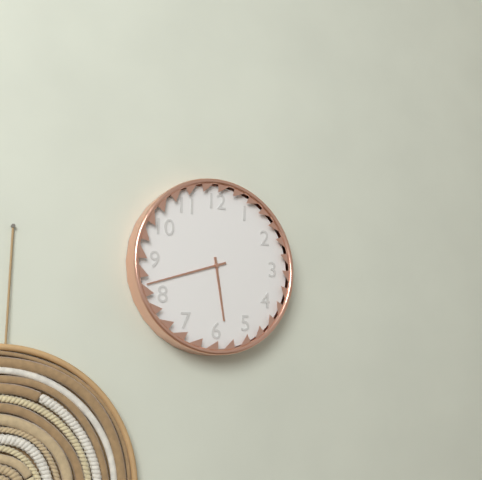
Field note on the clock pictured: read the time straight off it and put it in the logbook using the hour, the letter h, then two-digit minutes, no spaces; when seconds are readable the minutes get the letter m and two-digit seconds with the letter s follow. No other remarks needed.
5h42
